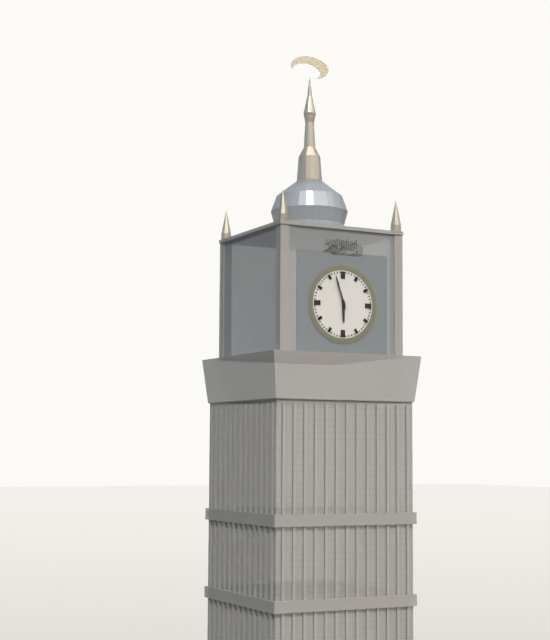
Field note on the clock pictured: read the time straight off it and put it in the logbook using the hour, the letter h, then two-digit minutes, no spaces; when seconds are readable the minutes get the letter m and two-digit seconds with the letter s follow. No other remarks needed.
5h57
